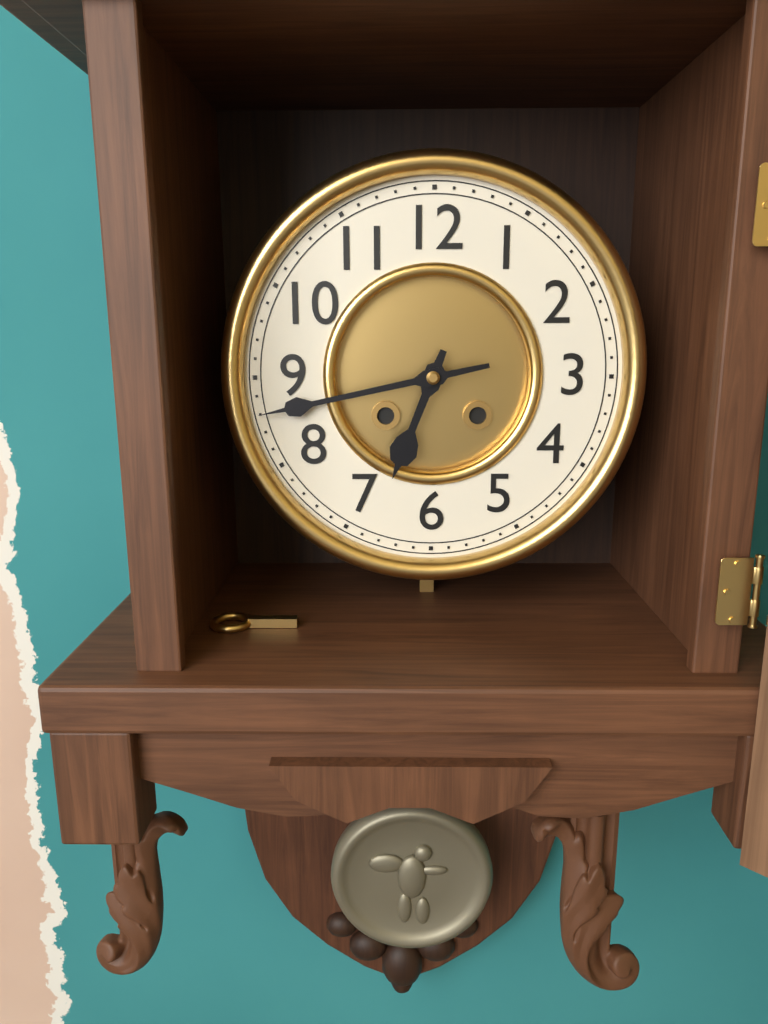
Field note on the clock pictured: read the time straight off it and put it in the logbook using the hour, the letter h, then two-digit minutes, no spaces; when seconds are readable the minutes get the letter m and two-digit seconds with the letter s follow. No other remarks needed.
6h43
